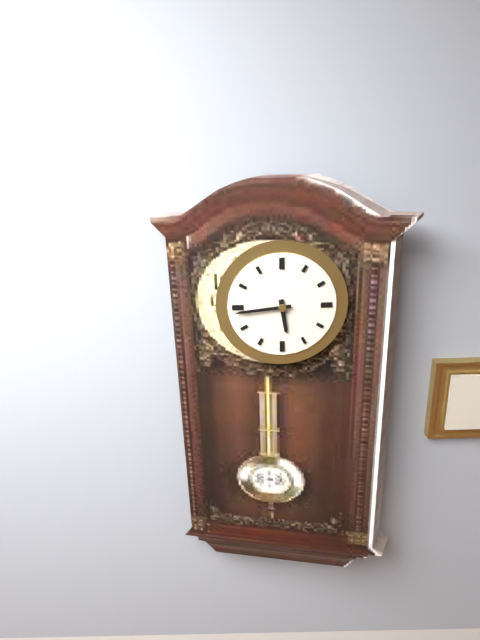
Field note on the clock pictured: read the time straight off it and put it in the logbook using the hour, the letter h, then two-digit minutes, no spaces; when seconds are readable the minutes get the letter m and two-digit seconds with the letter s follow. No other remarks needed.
5h44
